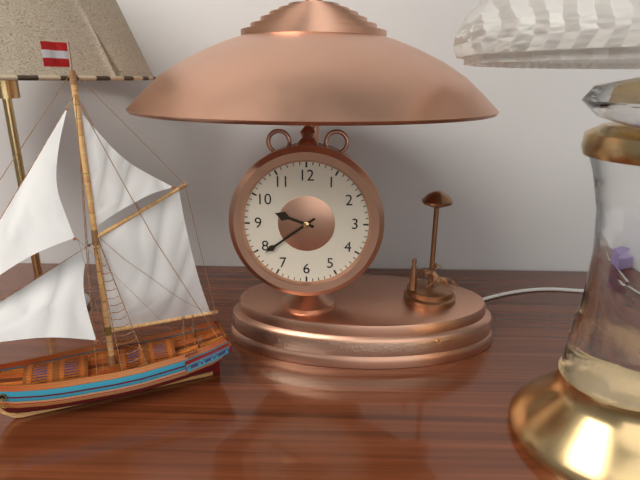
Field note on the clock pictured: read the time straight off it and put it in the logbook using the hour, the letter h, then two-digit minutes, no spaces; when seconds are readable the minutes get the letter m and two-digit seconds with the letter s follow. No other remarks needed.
9h39
